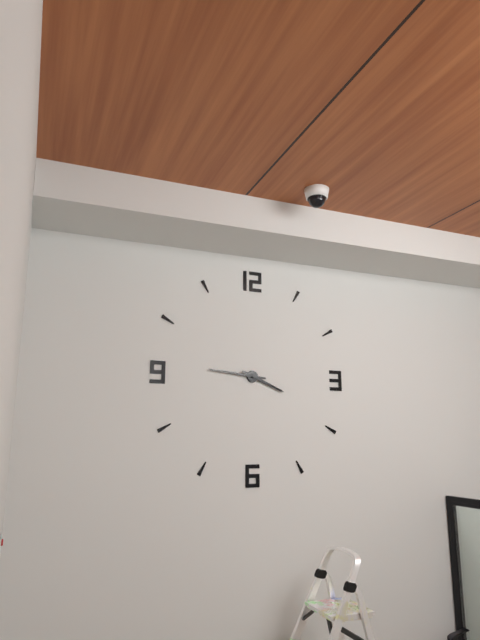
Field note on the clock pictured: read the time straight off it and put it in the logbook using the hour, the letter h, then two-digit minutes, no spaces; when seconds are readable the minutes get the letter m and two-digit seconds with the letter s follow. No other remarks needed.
3h46
